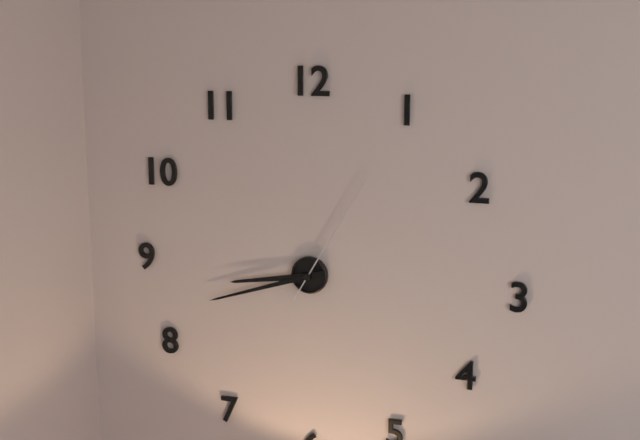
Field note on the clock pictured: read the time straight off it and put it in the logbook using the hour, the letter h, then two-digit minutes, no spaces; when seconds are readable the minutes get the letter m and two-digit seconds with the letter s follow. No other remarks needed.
8h42m05s
